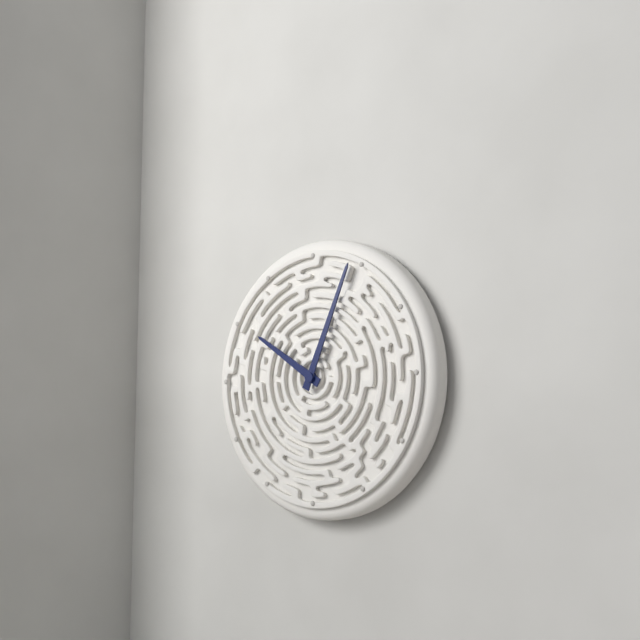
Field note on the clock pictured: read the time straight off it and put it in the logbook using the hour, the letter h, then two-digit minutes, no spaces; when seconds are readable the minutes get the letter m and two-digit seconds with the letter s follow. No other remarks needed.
10h04
